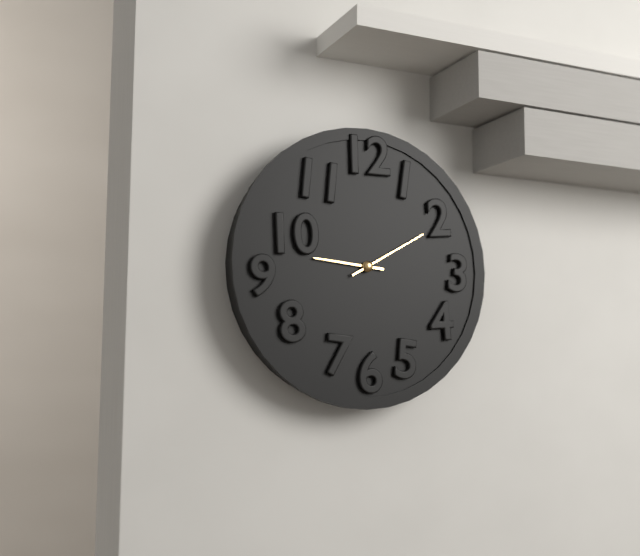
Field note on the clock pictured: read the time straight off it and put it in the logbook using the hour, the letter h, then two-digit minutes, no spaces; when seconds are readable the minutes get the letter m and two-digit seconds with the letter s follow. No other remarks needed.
9h10
